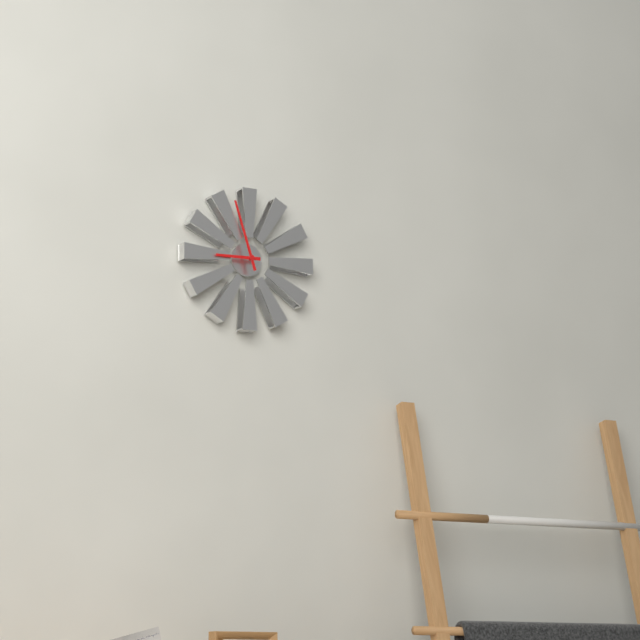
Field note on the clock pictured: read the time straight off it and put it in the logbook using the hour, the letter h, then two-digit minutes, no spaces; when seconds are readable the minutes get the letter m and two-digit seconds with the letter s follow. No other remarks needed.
8h57
